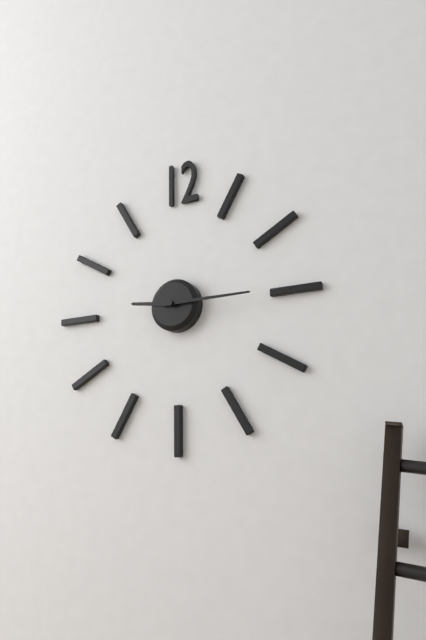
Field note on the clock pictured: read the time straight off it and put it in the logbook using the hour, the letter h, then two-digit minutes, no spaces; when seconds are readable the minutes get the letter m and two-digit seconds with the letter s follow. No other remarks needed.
9h15
